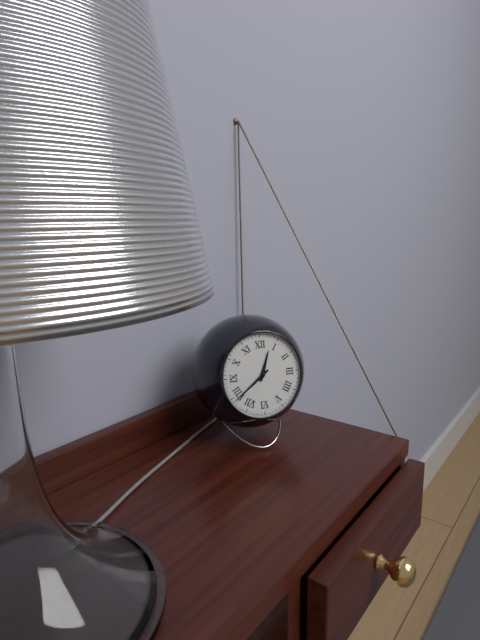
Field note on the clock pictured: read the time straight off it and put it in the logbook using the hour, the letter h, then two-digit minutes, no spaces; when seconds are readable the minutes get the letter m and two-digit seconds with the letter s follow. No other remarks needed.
12h39
